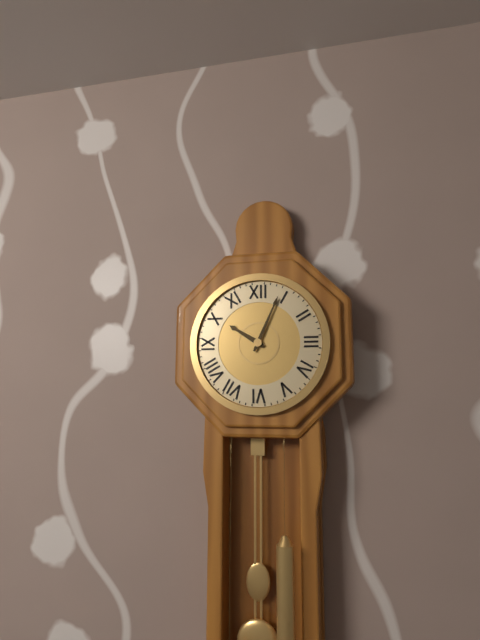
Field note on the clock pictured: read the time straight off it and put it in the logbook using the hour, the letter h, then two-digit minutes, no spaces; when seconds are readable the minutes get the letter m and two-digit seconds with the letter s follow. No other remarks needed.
10h04
